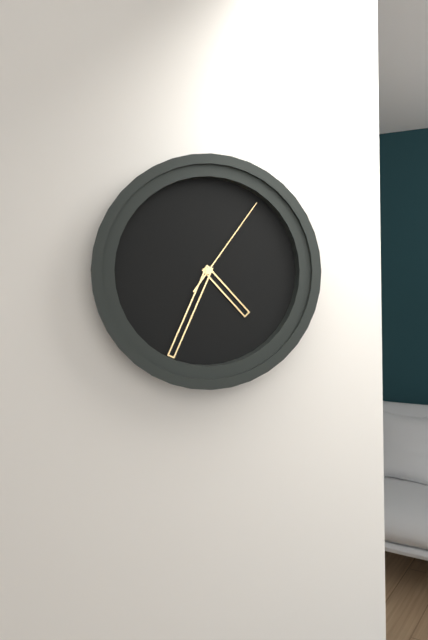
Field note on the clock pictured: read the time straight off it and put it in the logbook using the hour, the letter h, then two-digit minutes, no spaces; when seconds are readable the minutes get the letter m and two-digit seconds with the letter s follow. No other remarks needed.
4h34m06s
